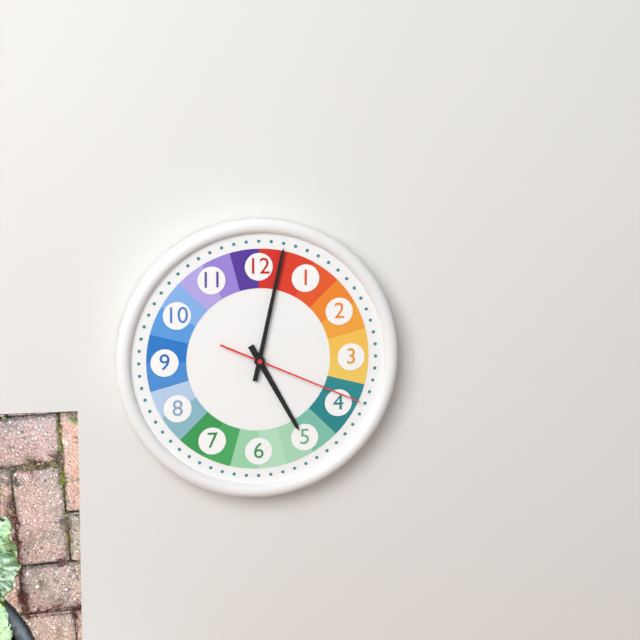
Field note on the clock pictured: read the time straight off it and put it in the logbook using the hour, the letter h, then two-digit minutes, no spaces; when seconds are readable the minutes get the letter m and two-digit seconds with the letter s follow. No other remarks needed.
5h02m19s
